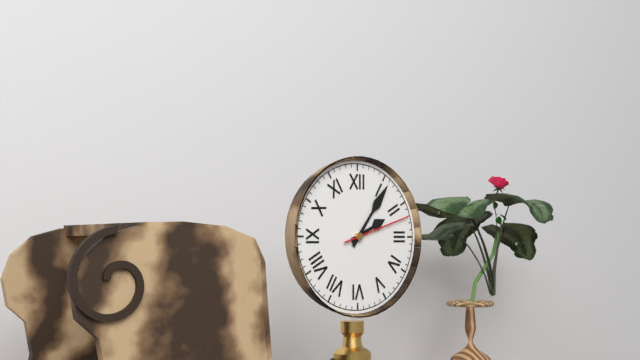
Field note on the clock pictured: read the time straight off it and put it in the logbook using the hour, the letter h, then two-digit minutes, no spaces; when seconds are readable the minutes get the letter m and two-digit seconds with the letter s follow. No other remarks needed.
2h06m12s
